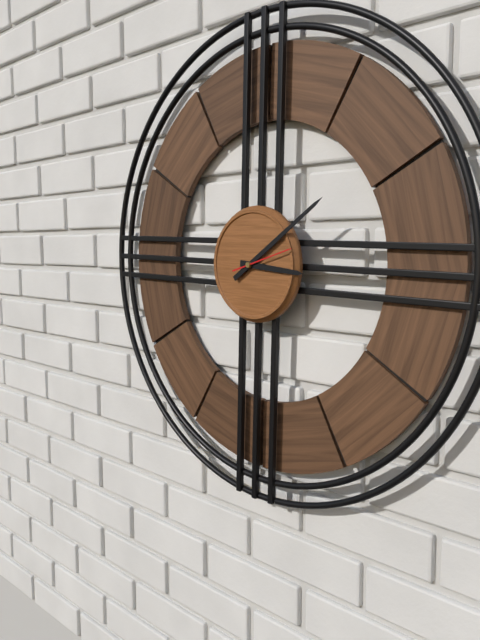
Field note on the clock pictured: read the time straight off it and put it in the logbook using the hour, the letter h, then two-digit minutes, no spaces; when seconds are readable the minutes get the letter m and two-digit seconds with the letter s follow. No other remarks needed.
3h09
